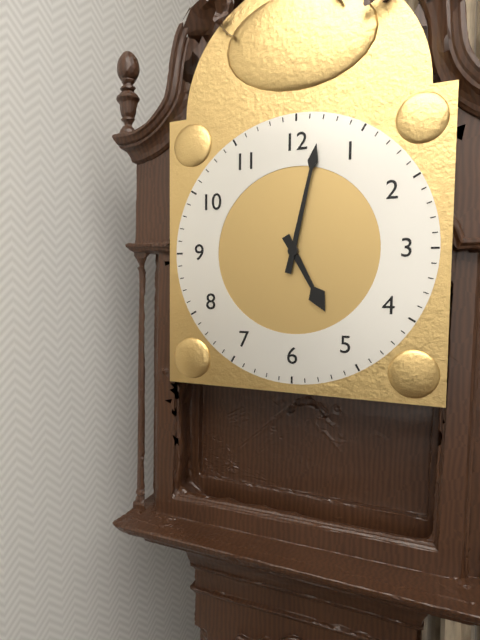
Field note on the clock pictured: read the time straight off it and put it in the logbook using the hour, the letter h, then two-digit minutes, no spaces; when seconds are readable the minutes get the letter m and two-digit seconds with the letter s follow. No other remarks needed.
5h02
